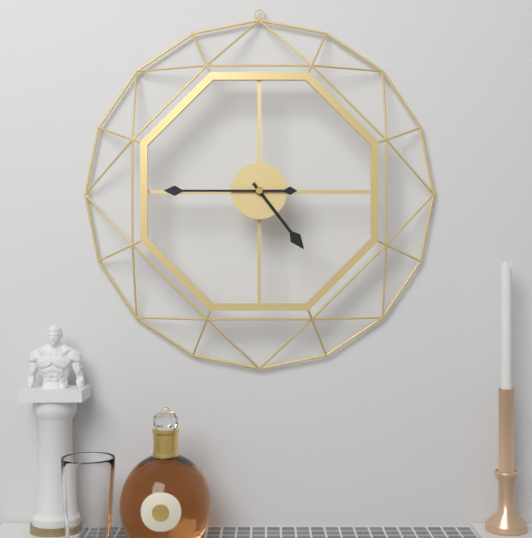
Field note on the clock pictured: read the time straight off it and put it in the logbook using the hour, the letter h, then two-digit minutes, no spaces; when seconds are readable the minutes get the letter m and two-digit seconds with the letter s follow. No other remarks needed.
4h45
